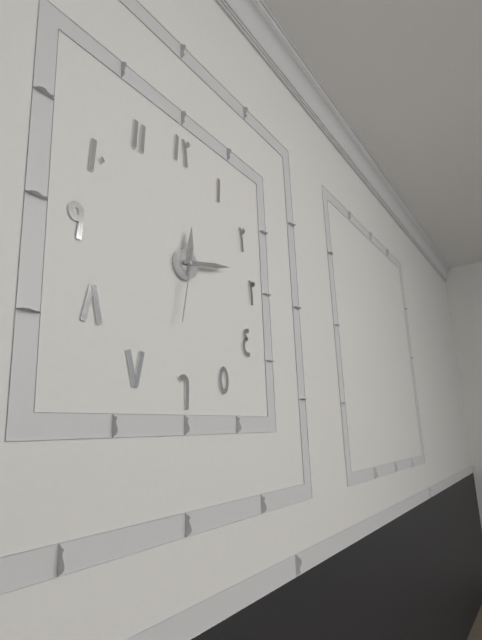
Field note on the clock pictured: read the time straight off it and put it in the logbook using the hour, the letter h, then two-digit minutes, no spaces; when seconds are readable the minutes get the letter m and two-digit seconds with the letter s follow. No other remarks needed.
12h13m32s
